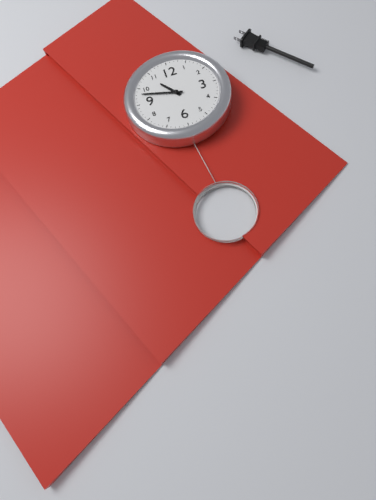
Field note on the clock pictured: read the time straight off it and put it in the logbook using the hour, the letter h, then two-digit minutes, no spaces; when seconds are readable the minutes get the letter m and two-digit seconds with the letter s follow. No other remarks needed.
10h48
